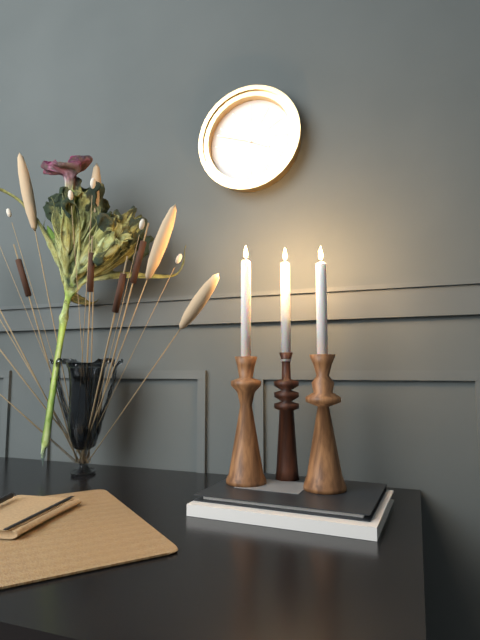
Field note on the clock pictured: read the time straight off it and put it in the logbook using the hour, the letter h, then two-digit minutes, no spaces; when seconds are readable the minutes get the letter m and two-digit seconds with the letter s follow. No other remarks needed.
3h48
